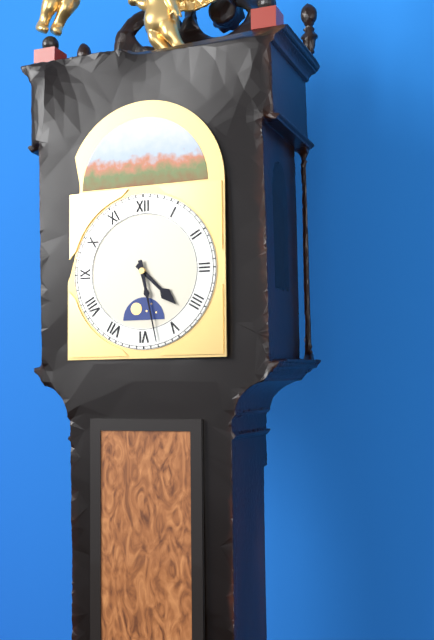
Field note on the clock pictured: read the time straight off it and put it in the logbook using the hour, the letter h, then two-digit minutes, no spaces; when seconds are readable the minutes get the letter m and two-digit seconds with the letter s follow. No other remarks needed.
4h28
